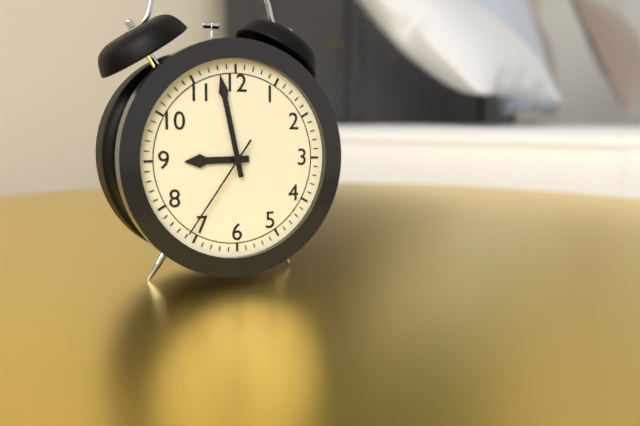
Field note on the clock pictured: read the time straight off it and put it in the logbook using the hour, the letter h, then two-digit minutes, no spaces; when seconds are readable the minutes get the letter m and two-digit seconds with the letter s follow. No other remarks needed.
8h58m36s
